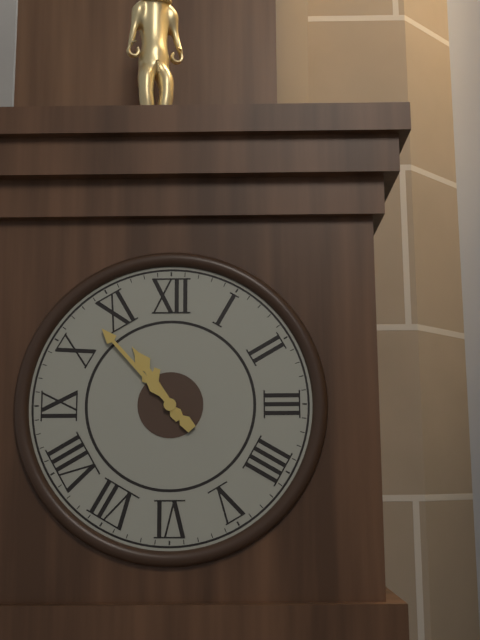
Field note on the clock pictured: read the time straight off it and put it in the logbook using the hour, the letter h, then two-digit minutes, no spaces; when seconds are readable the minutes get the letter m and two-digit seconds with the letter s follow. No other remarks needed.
10h53
